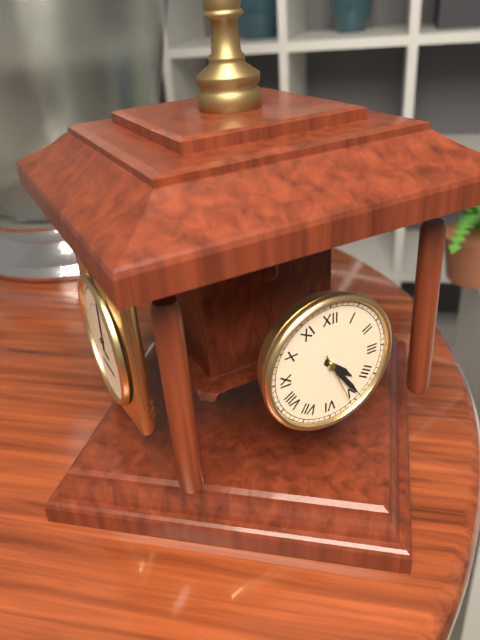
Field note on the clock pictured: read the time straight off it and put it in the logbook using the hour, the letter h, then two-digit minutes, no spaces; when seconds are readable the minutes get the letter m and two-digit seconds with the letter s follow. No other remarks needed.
4h24m26s
